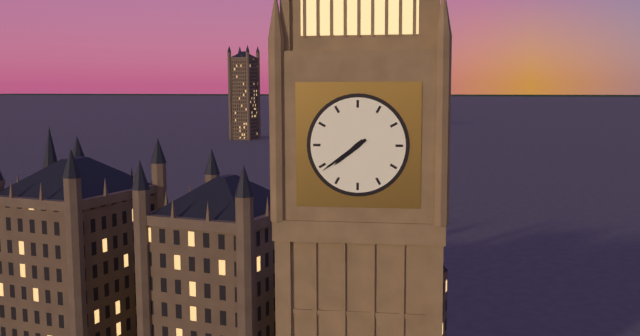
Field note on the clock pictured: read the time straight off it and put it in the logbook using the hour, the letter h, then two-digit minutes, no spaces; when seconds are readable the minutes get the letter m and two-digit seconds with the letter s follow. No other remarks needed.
7h39
